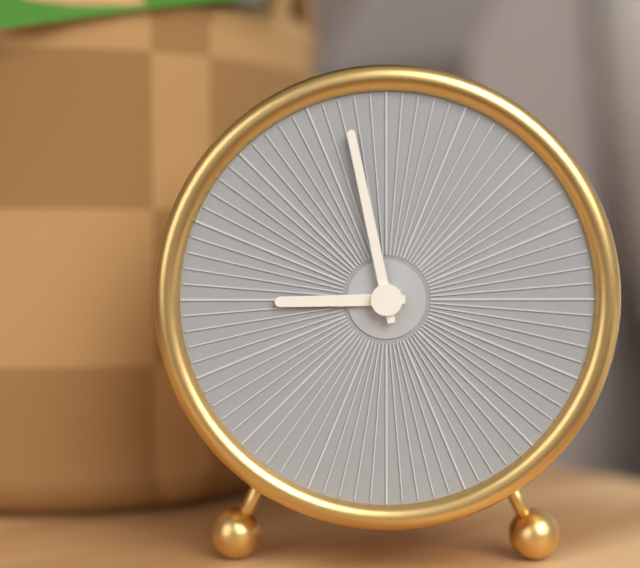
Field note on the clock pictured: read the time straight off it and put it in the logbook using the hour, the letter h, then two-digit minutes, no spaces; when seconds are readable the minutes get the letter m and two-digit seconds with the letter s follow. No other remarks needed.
8h58
